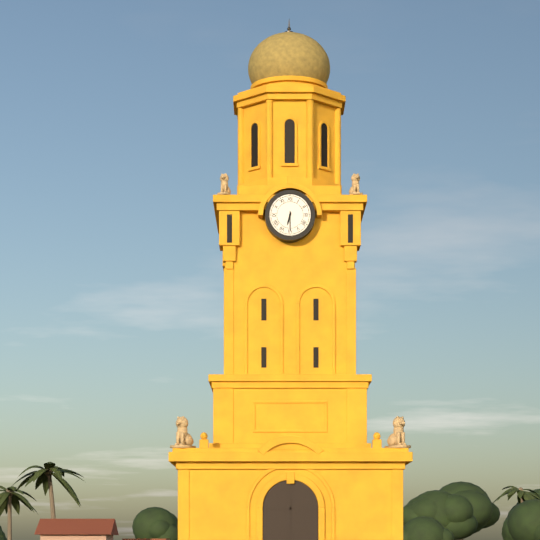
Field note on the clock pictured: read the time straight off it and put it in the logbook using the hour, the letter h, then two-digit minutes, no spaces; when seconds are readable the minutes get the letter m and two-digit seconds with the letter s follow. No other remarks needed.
6h30
